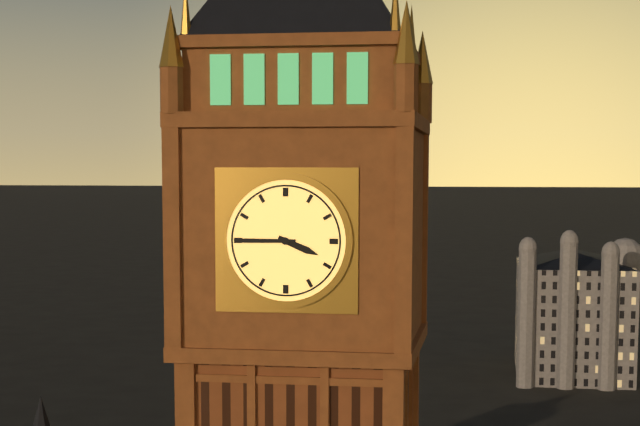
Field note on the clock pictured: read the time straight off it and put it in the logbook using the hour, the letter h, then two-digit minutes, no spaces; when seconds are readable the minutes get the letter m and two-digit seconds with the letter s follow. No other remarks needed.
3h45
